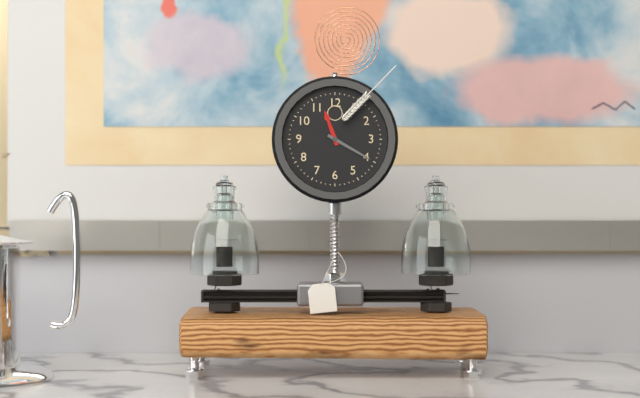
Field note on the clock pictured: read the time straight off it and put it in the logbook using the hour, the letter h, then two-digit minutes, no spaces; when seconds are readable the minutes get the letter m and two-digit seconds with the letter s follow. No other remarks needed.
11h20
